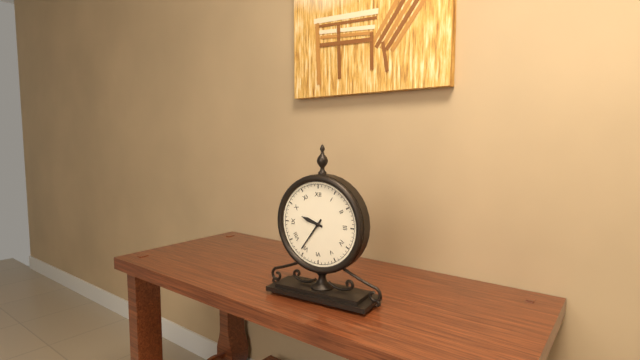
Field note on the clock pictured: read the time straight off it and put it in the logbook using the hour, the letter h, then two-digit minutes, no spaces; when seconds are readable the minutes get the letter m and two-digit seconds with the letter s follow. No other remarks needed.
9h36
